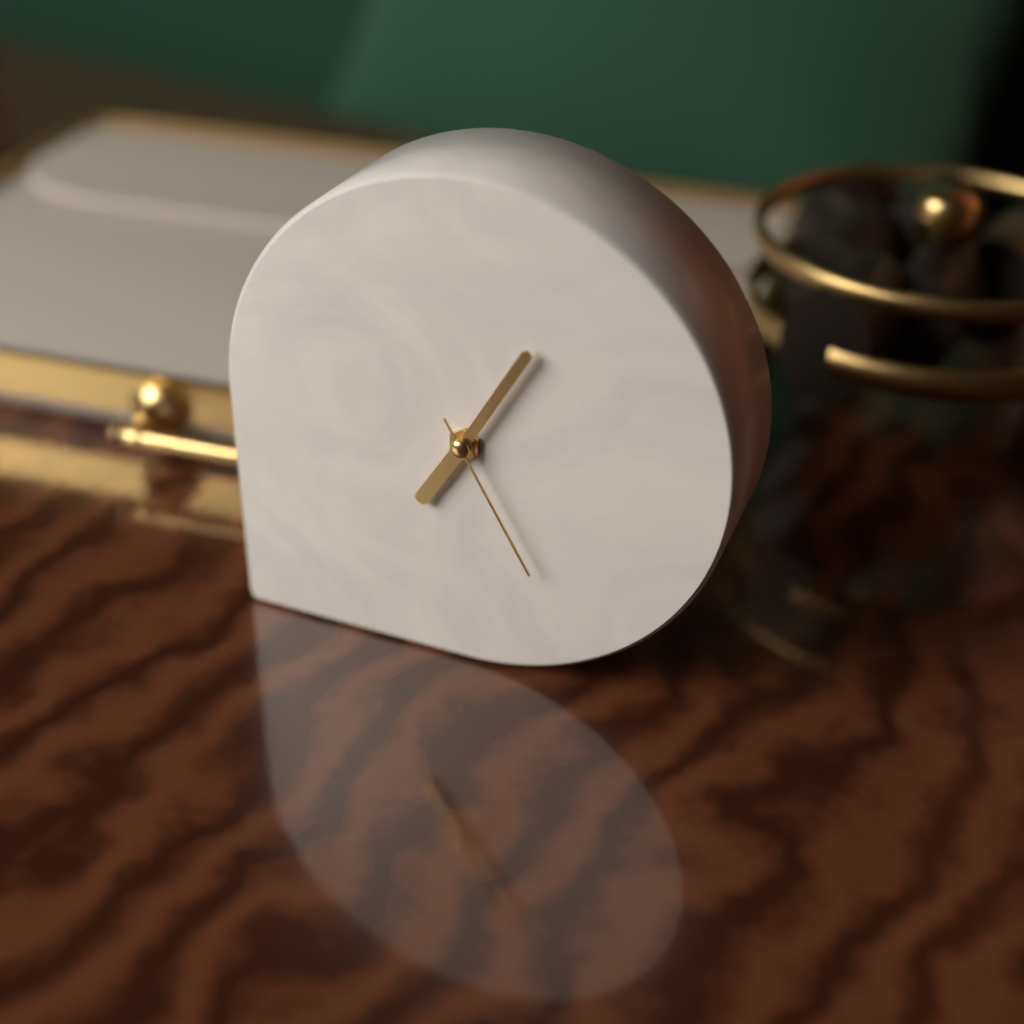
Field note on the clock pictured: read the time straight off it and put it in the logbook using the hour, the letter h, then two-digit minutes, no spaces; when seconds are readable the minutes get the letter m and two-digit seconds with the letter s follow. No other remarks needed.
7h05m25s
